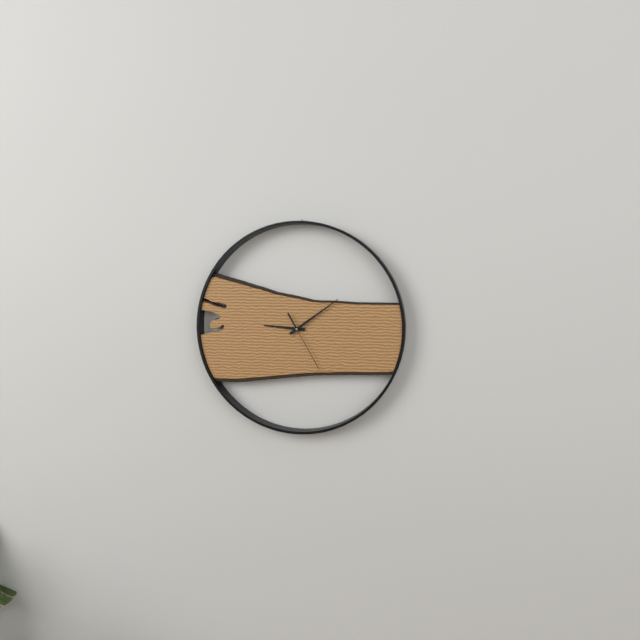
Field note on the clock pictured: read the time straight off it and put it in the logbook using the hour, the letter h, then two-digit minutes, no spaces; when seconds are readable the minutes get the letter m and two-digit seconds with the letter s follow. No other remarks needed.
9h09m25s
